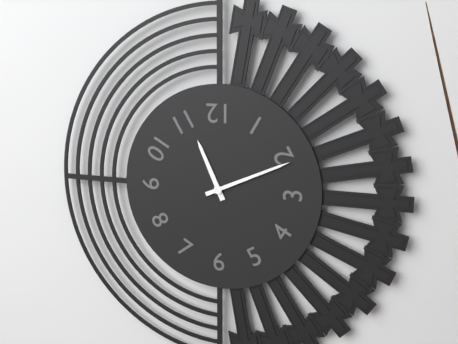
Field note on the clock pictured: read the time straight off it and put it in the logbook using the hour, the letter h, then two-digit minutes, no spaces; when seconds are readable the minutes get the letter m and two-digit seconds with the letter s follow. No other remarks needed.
11h11
